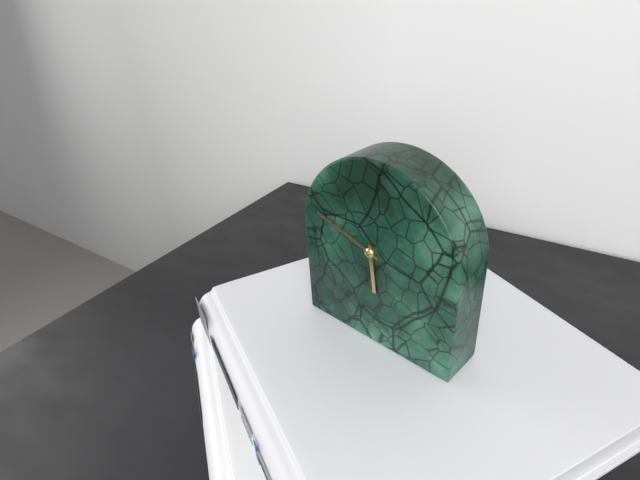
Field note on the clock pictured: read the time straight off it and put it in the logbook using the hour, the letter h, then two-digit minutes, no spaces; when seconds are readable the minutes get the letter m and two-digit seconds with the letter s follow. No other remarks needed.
5h48
